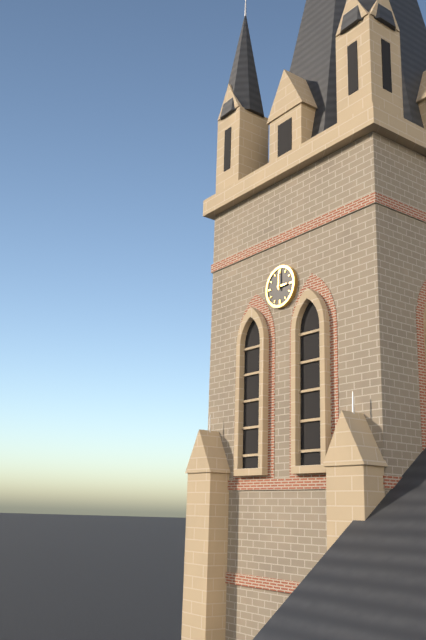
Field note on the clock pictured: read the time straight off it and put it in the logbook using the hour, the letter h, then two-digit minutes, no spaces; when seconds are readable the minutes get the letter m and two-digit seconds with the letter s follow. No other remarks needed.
3h00
